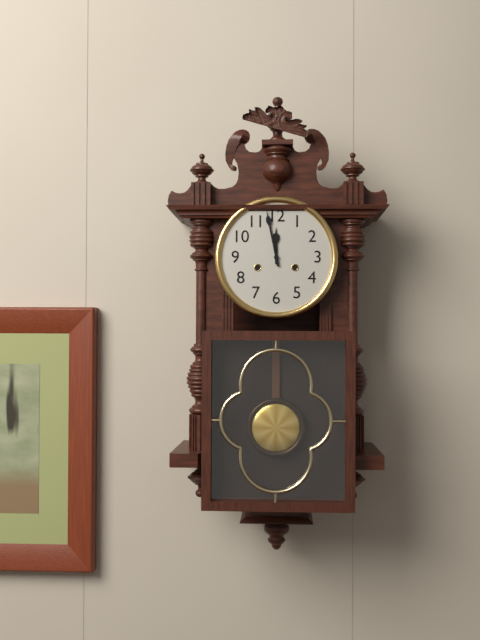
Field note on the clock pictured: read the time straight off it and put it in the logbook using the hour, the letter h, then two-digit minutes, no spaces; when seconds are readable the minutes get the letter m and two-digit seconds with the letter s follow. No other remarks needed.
11h58
